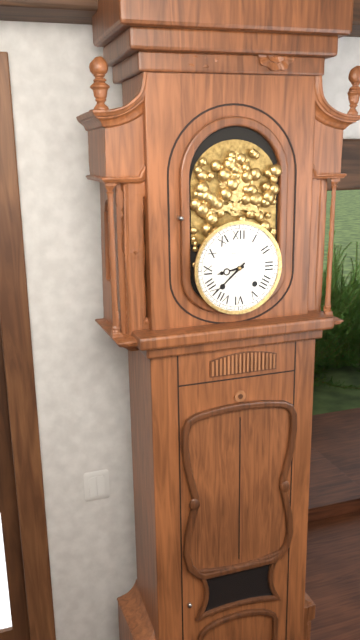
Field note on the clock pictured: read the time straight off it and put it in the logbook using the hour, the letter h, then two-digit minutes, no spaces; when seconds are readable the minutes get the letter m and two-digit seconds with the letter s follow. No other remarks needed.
8h38
